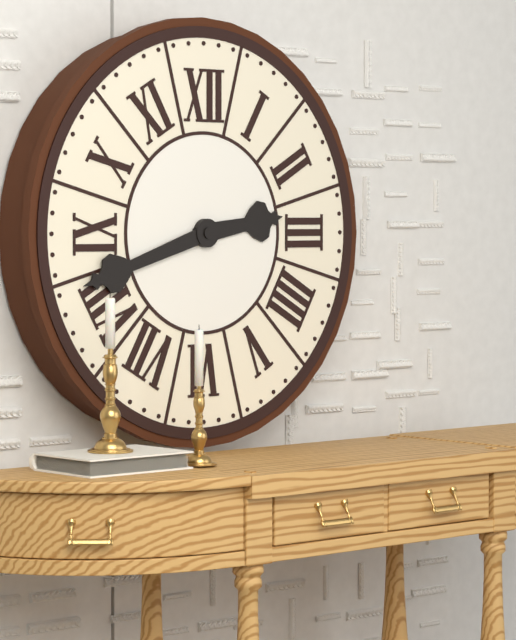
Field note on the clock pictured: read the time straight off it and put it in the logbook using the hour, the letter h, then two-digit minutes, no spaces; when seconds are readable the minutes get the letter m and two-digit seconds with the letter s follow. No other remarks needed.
2h42
